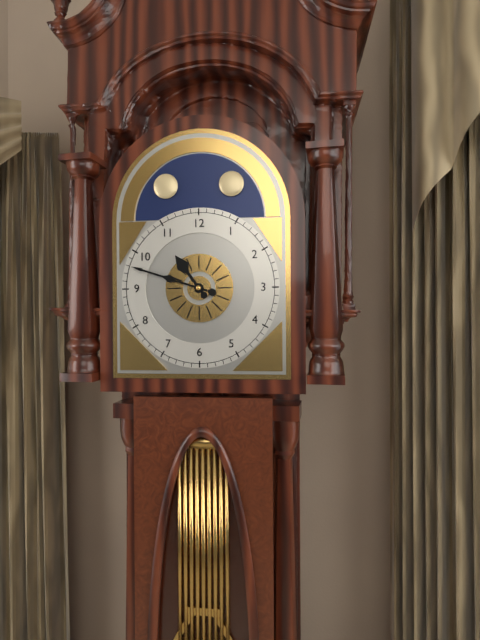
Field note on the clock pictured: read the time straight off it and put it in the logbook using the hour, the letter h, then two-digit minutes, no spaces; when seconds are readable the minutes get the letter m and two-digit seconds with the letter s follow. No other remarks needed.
10h48
